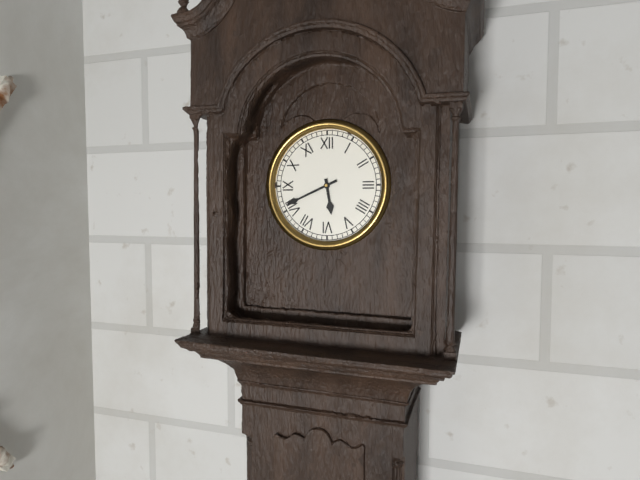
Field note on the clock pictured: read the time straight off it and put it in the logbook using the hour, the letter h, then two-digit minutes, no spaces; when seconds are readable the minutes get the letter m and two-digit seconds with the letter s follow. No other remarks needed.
5h41
